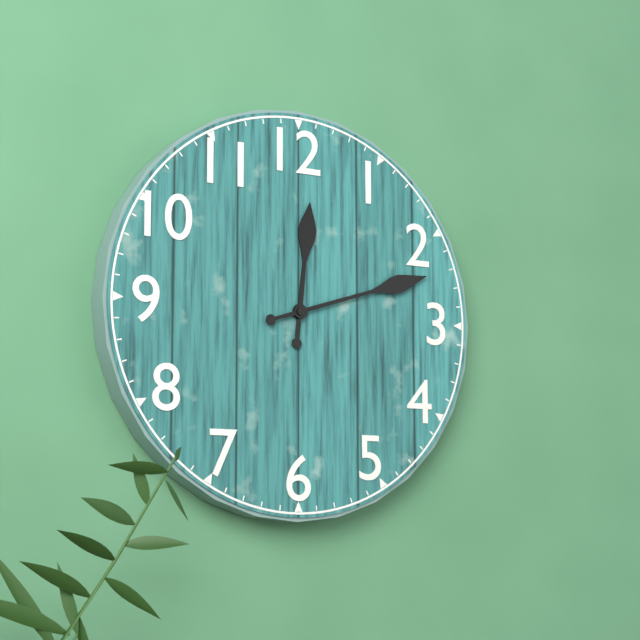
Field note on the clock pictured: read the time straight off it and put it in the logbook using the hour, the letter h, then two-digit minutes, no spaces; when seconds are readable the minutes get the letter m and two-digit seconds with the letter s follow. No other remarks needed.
12h12
